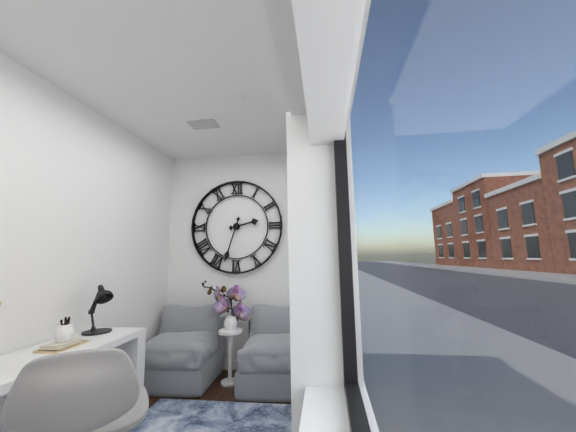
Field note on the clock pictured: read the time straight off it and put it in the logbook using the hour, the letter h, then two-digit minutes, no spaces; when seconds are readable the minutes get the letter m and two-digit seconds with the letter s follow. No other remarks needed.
2h33
